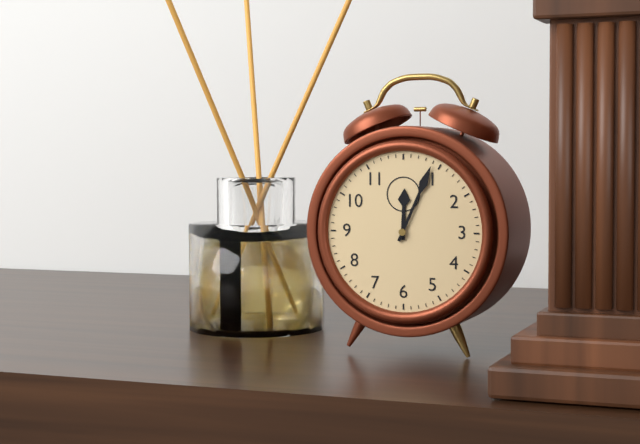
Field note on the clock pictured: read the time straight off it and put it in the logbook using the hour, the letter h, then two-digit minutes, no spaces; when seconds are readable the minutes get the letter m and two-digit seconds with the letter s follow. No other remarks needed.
12h04
